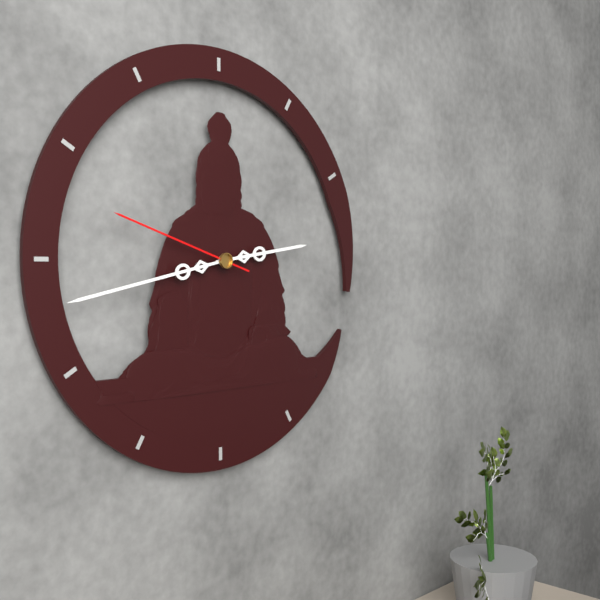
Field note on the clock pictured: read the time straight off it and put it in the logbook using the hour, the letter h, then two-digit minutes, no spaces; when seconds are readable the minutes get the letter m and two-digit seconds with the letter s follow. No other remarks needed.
2h43m48s
